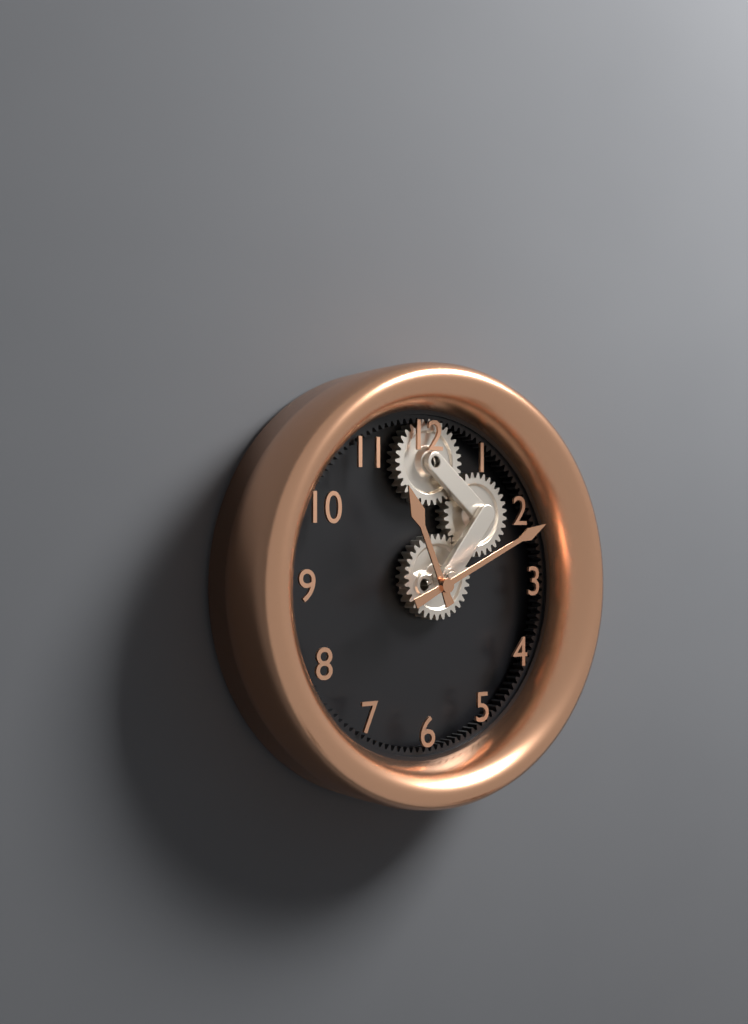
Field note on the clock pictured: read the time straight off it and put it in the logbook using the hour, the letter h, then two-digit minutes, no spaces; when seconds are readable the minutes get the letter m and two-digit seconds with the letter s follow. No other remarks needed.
11h11
